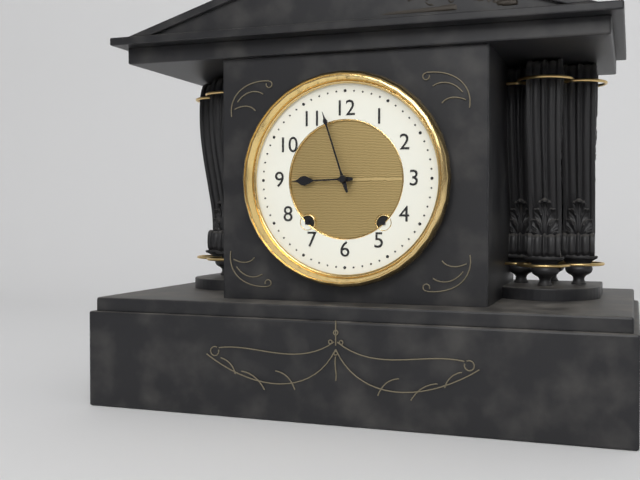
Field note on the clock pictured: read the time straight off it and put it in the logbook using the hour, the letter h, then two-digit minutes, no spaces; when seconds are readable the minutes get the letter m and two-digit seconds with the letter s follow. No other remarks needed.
8h57
